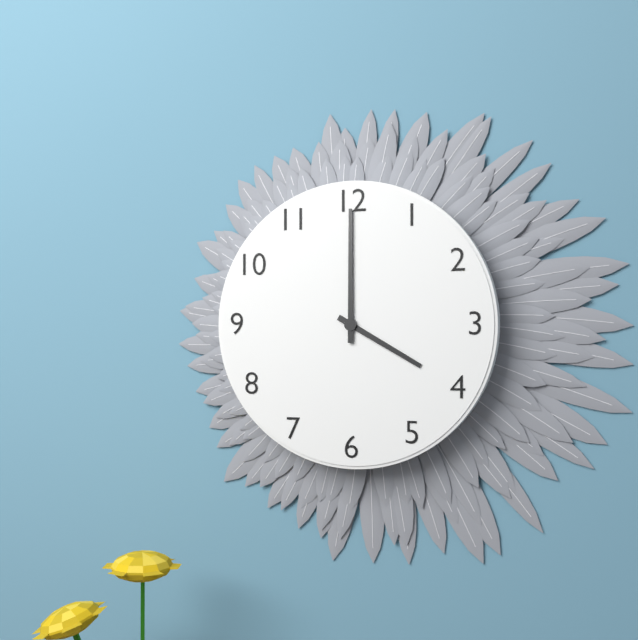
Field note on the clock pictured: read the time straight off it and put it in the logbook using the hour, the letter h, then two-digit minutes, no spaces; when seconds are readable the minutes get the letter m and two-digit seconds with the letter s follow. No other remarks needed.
4h00
